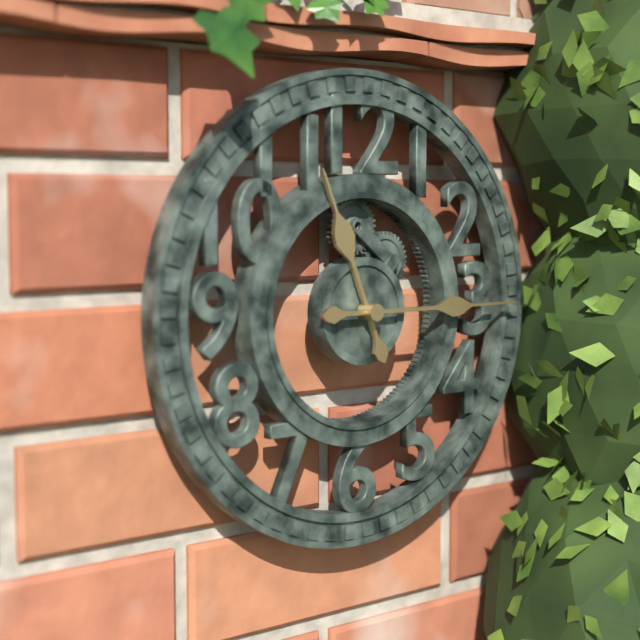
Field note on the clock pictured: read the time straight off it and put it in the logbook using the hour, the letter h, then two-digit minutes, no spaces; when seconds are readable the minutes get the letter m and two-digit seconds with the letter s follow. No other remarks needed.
11h15
